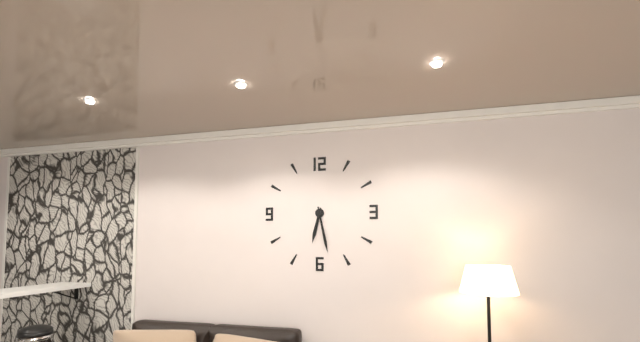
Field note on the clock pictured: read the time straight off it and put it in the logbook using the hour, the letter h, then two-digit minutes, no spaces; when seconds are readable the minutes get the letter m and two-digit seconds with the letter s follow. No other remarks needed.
6h28
